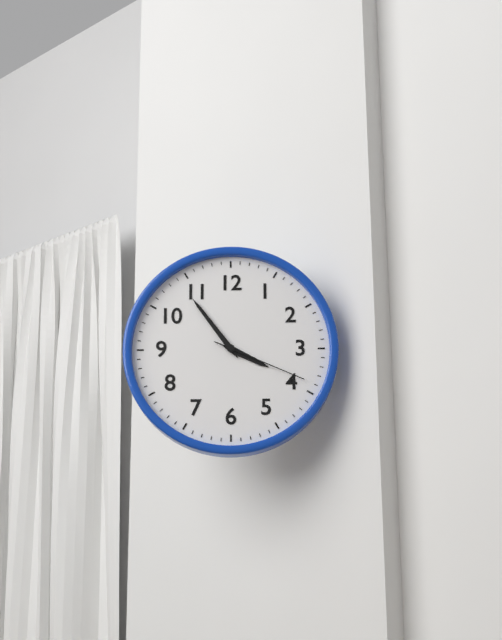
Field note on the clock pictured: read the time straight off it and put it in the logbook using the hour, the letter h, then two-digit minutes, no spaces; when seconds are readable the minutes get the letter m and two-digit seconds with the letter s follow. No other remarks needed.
3h54m19s
